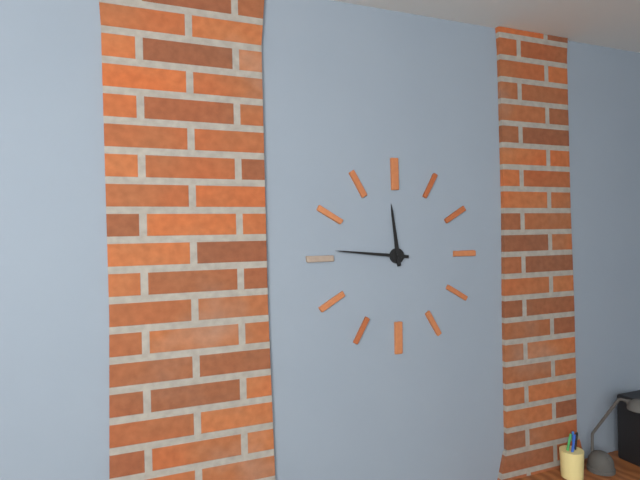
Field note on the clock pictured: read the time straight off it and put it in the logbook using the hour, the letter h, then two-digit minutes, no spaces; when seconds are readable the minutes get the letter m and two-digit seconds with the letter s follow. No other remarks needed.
11h46
